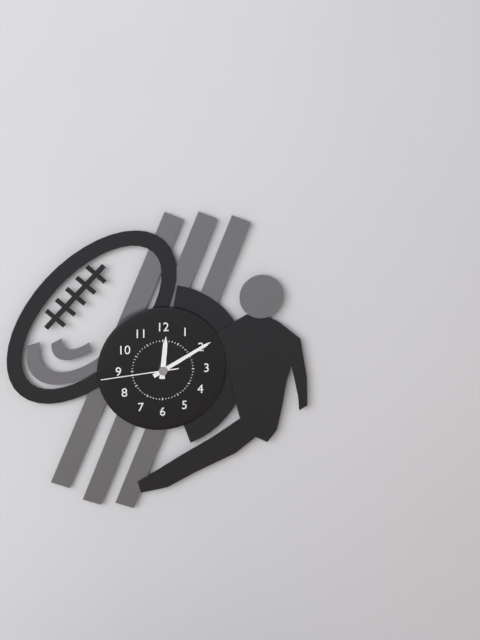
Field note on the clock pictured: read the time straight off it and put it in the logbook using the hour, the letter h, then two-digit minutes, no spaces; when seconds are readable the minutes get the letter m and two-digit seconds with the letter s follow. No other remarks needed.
12h10m44s
